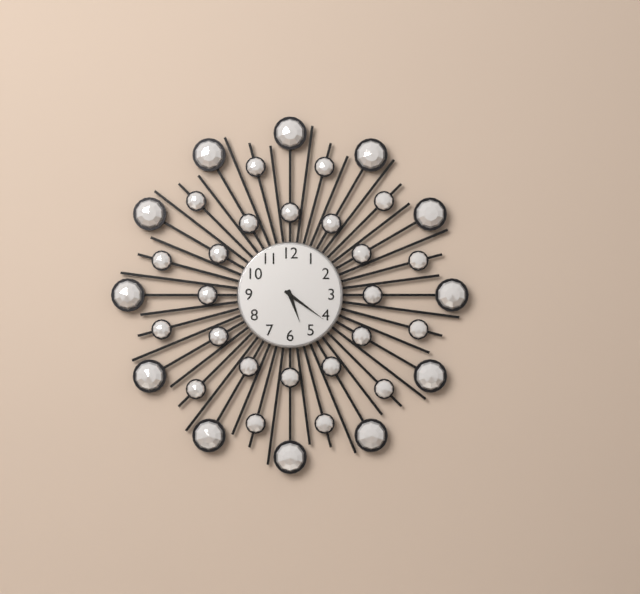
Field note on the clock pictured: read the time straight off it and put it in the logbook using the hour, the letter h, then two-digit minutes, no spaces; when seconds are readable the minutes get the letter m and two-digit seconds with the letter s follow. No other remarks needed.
5h21
